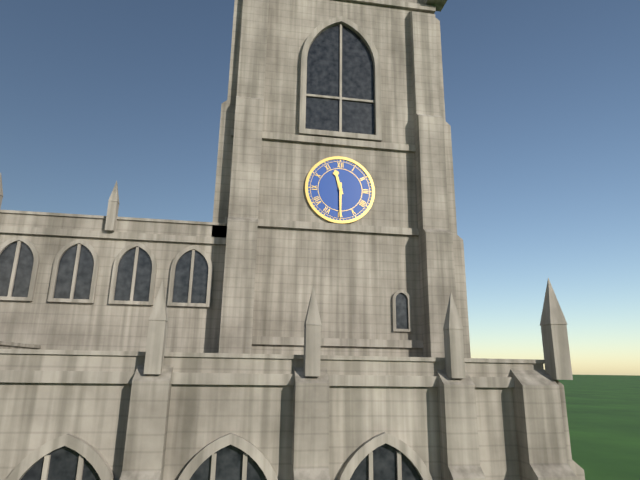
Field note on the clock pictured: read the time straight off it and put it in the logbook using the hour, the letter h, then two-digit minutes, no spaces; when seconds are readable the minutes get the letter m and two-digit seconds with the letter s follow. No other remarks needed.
11h30
